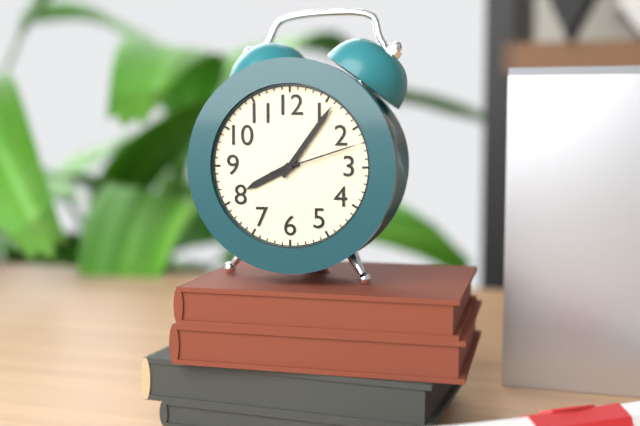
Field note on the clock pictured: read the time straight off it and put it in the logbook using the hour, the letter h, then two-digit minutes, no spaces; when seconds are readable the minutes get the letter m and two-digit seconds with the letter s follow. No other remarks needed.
8h06m12s
